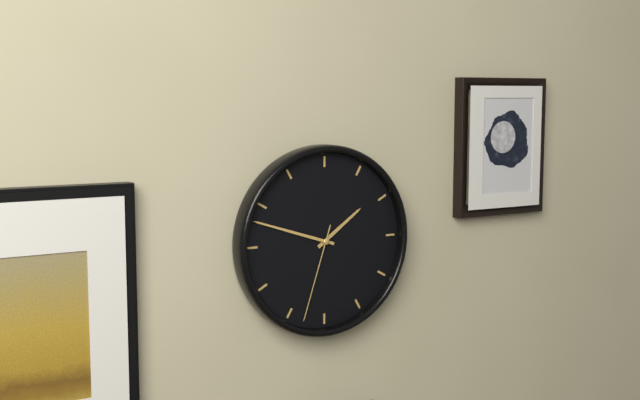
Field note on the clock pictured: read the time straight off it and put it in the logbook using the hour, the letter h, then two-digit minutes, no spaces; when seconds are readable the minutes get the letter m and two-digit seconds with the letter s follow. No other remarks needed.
1h48m33s
